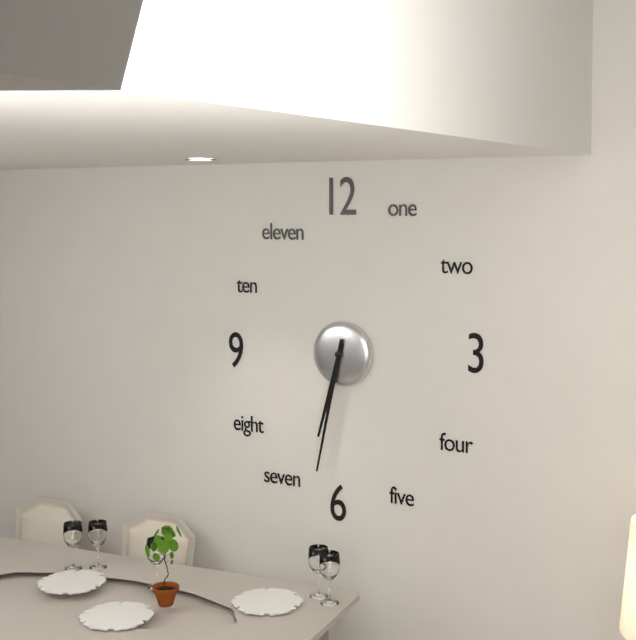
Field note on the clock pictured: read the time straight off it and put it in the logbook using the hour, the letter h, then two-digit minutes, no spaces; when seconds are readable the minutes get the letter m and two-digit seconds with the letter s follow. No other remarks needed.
6h32
